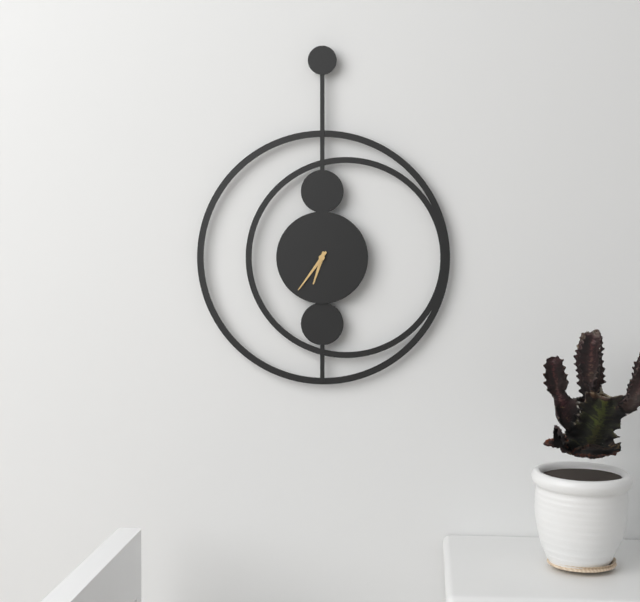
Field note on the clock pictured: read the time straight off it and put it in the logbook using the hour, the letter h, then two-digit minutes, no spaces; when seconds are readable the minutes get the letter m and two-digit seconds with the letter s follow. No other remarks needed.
6h36
